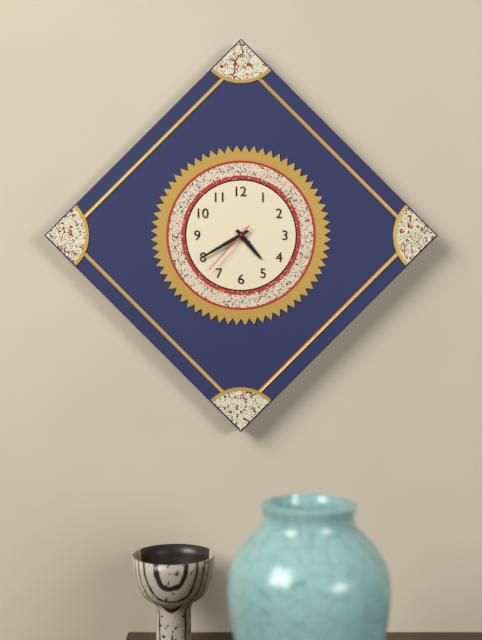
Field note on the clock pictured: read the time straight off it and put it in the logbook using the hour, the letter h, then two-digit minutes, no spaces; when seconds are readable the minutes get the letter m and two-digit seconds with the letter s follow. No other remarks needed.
4h40m37s
